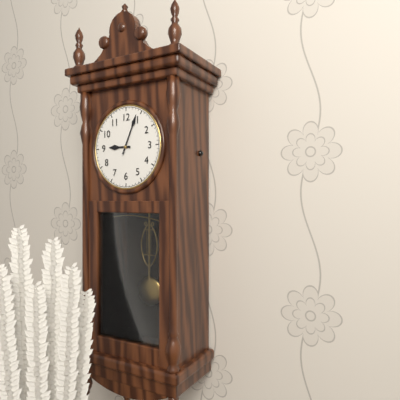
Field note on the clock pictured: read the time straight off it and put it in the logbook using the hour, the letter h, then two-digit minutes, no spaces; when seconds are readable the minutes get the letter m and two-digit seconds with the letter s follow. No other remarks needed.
9h04
